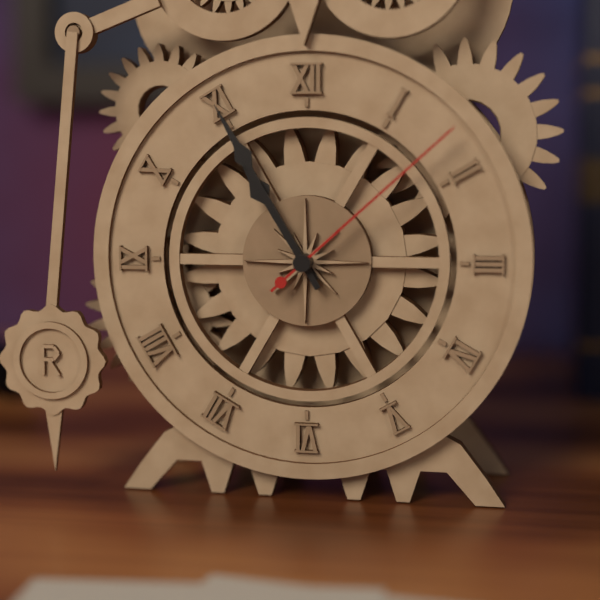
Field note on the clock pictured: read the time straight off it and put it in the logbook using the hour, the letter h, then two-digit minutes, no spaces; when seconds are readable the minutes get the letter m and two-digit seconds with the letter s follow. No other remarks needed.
10h55m08s
